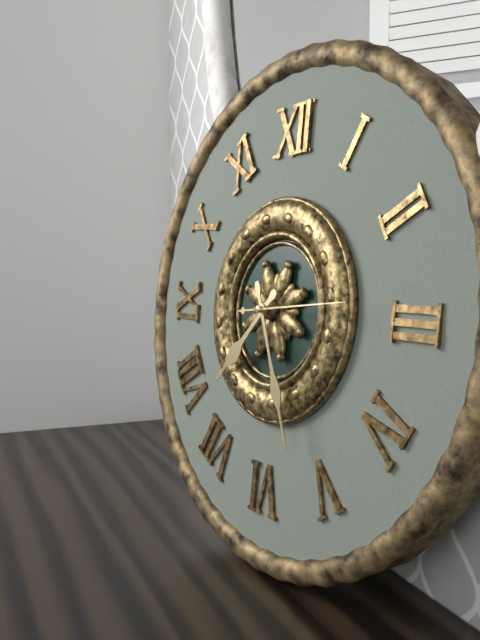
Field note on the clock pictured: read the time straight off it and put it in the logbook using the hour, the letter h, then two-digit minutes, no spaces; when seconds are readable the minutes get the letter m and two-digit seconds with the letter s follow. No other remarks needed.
7h26m14s
